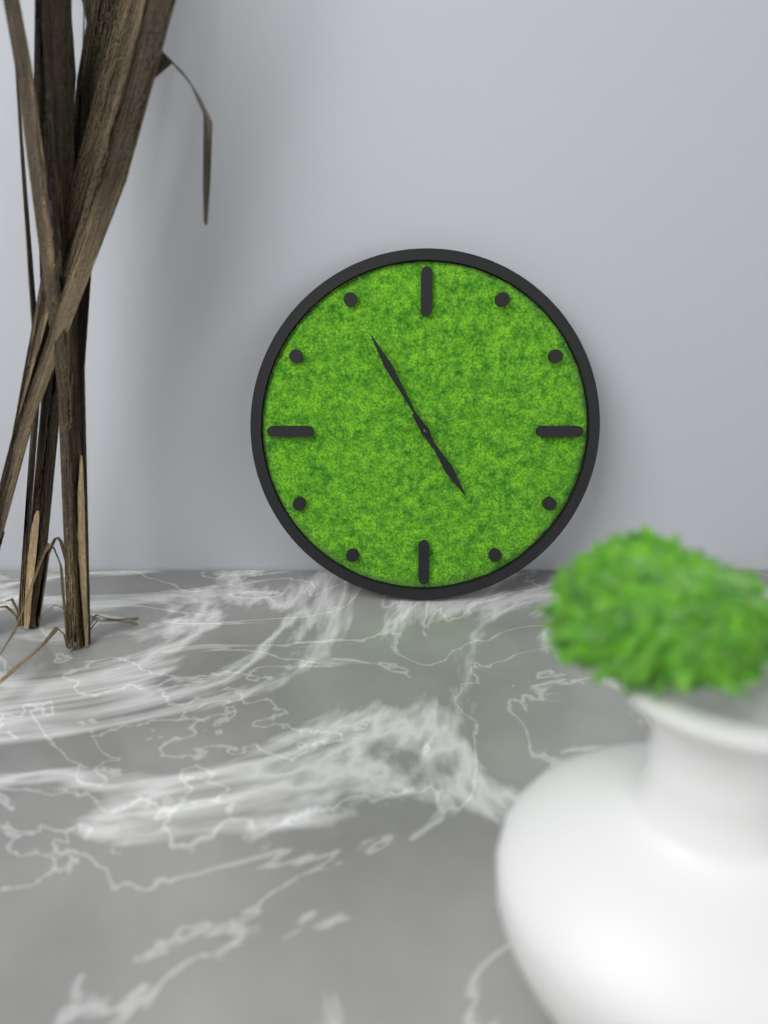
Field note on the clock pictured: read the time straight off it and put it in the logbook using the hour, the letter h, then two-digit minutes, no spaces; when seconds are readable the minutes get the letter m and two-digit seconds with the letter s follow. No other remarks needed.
4h55
